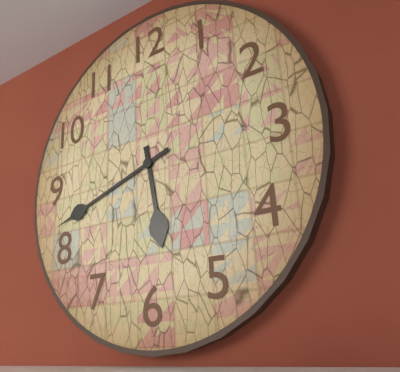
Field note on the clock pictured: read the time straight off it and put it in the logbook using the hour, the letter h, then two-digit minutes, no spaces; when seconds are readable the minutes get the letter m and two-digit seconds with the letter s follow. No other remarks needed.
5h42
